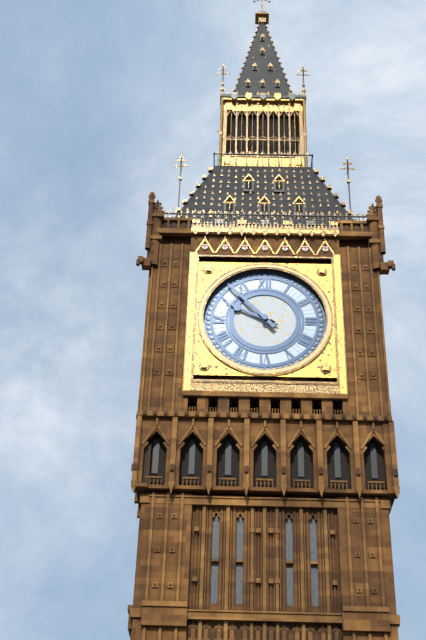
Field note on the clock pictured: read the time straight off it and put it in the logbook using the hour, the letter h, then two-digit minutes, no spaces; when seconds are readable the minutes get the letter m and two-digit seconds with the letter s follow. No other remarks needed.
9h53
